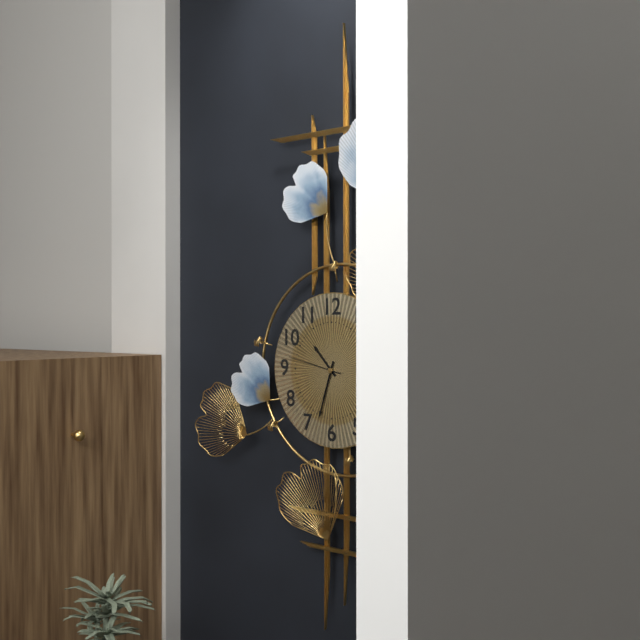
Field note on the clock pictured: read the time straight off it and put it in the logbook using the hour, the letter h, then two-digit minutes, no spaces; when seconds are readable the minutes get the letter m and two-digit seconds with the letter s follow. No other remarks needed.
10h33m47s
